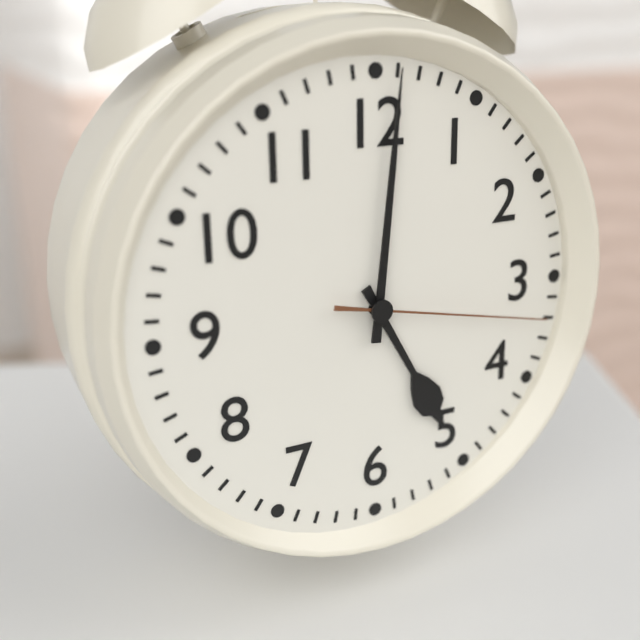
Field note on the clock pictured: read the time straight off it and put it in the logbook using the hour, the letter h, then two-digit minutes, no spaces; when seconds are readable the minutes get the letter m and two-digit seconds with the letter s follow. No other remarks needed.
5h01m17s
